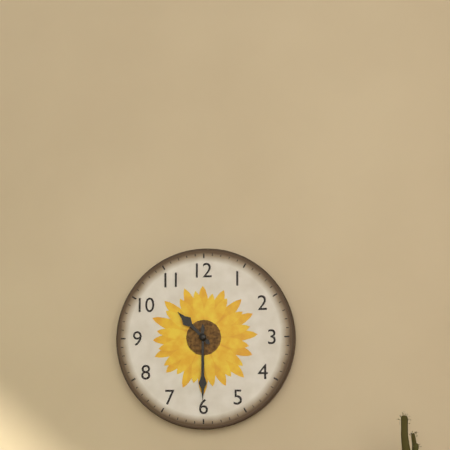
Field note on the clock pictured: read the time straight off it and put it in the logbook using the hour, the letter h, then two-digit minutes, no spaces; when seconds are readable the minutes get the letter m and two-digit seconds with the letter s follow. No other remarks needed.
10h30
